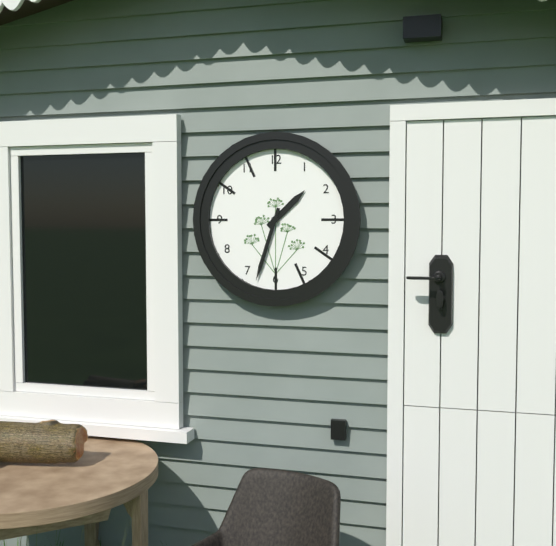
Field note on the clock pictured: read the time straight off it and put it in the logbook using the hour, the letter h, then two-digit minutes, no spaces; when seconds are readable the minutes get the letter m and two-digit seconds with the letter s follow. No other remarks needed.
1h33
